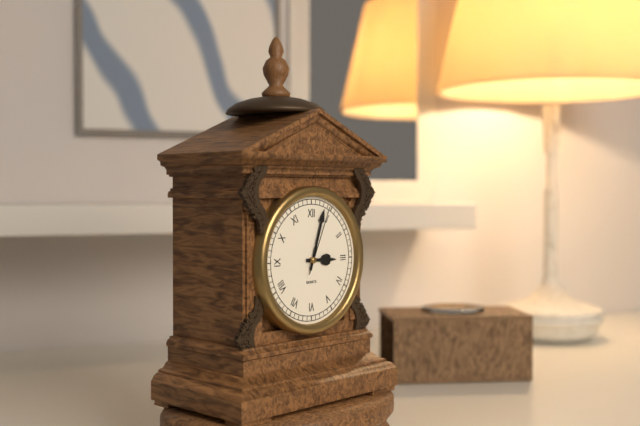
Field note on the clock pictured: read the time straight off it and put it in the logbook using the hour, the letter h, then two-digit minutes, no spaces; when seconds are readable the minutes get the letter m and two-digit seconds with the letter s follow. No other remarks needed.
3h03m04s
